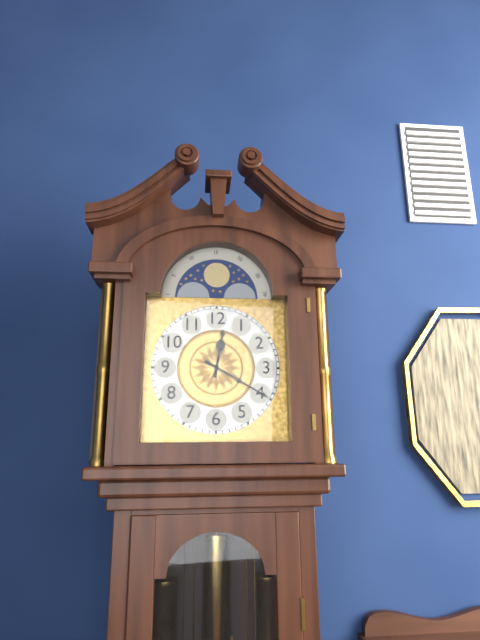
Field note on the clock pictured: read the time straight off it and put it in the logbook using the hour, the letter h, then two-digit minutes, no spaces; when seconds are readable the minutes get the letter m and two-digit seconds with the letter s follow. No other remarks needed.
12h20
